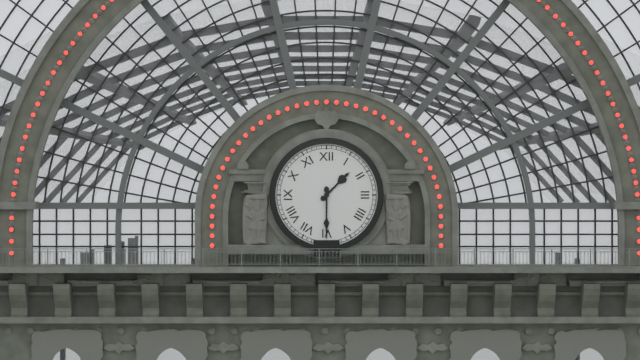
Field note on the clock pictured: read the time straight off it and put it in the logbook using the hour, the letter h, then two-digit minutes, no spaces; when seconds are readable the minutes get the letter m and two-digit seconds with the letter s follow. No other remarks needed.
1h30
